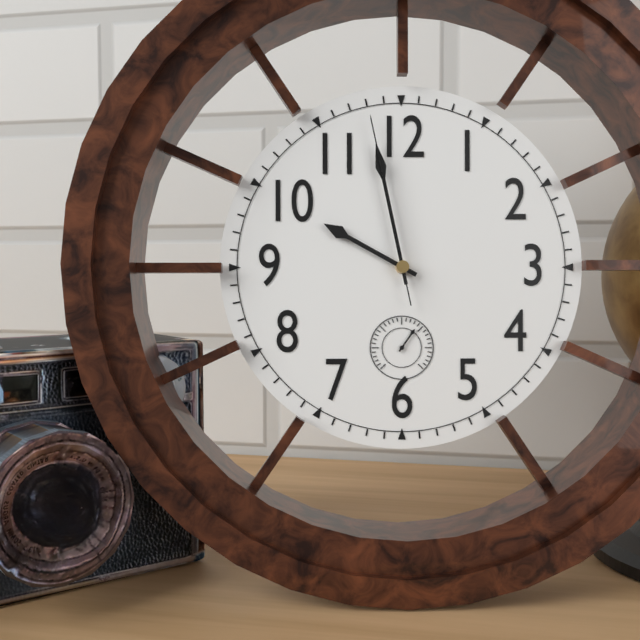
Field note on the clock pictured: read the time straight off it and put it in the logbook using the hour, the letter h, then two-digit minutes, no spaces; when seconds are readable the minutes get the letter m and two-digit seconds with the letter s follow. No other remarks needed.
9h58m58s
